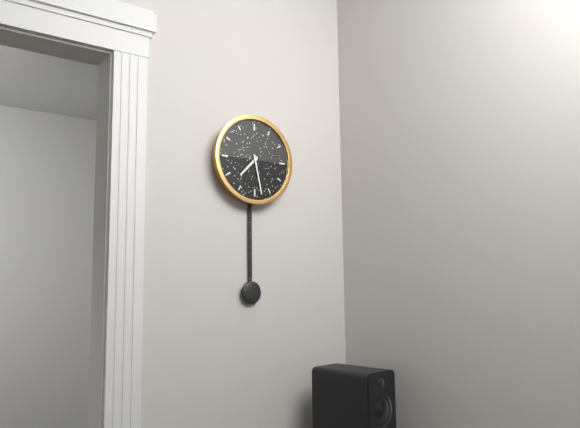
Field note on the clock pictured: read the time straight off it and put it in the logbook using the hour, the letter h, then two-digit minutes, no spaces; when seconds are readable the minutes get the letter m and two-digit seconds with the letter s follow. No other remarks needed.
7h28
